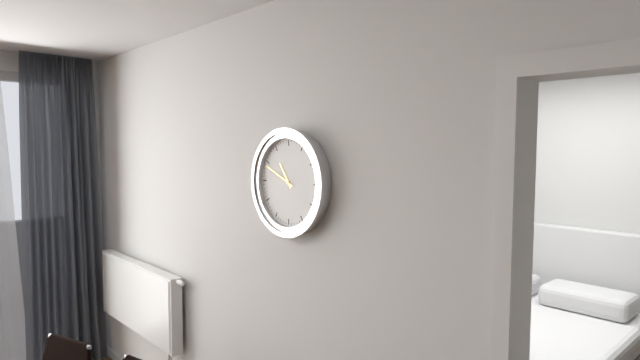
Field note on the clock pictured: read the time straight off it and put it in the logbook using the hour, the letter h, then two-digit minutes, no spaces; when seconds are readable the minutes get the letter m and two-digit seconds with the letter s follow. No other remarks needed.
10h49
